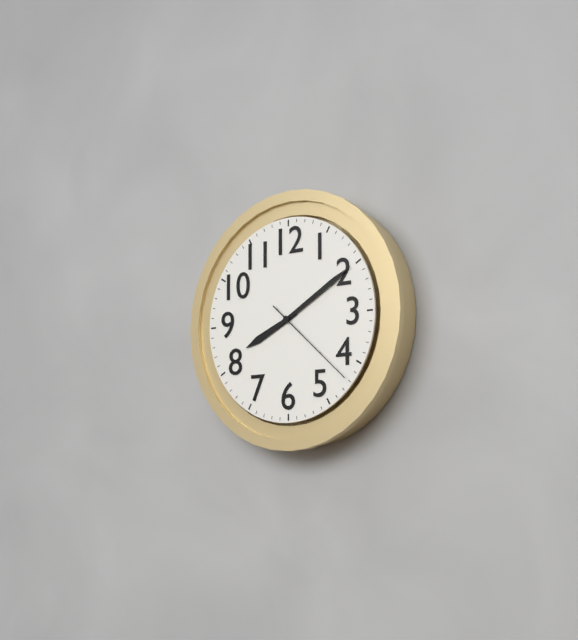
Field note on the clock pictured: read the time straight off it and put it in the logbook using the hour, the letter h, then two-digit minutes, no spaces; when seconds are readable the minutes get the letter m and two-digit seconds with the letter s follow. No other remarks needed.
8h10m22s
